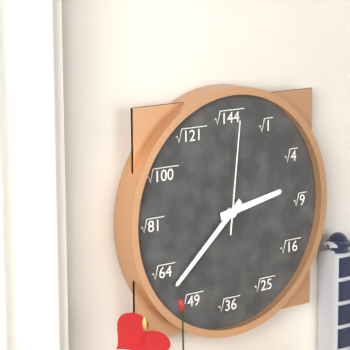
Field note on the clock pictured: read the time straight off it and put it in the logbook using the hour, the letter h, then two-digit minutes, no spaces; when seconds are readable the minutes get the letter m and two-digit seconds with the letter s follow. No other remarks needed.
2h38m01s
